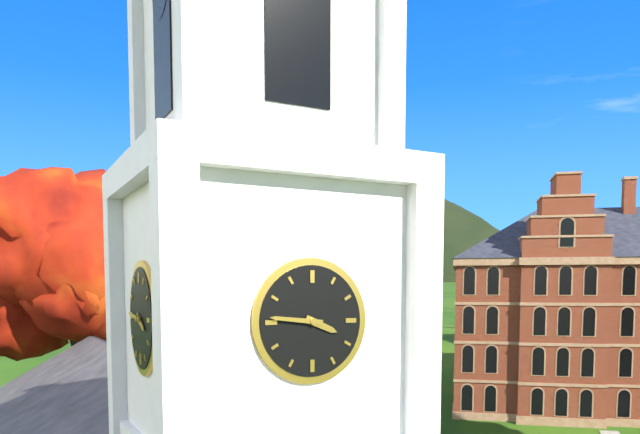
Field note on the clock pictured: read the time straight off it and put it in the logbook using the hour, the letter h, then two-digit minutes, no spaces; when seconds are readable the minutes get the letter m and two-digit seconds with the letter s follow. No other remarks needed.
3h46
